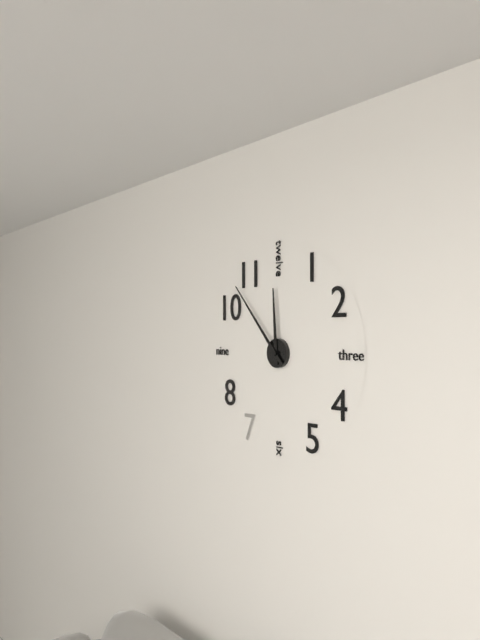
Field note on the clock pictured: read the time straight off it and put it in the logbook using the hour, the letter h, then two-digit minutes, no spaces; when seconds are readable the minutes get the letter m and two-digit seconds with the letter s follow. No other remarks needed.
11h53
